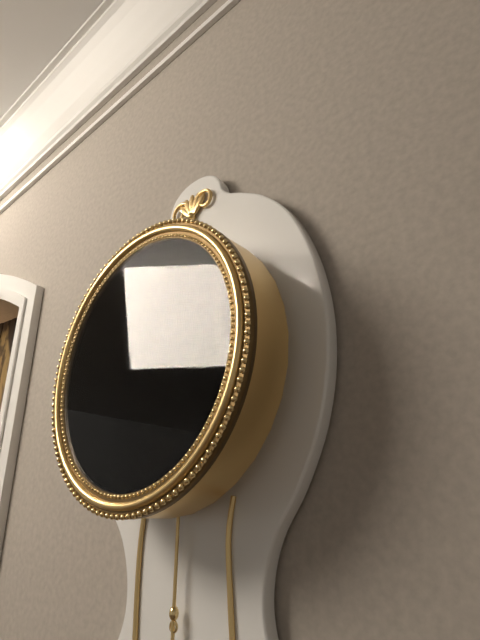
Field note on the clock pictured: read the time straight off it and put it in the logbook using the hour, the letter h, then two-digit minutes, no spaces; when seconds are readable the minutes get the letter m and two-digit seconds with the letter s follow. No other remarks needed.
9h56
